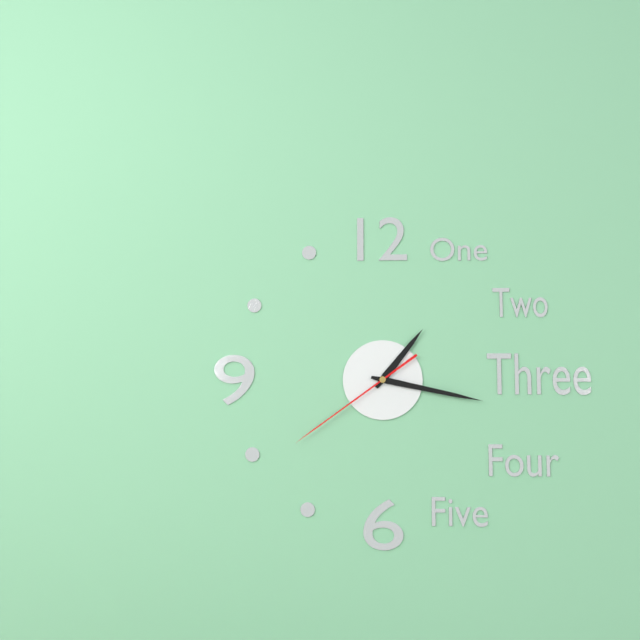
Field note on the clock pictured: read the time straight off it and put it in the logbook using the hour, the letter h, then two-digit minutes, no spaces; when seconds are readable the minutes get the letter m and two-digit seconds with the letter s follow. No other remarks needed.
1h17m39s
